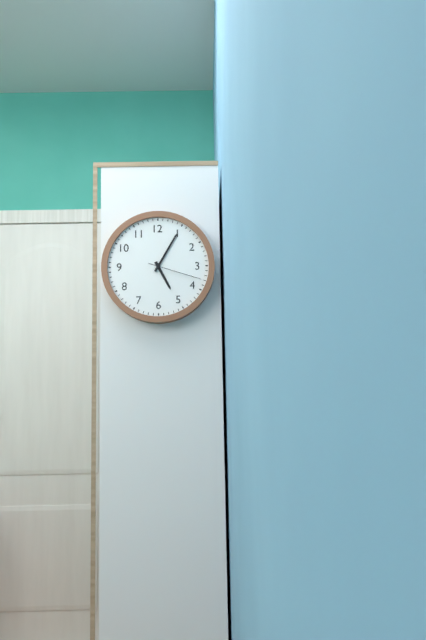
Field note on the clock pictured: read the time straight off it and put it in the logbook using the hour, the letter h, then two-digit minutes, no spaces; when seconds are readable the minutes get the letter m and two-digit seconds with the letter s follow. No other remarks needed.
5h05m18s
